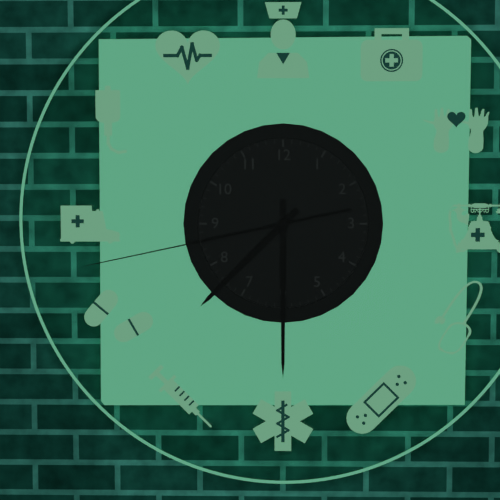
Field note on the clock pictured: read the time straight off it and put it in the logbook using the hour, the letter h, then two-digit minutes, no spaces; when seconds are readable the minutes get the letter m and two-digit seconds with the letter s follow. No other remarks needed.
7h30m43s
